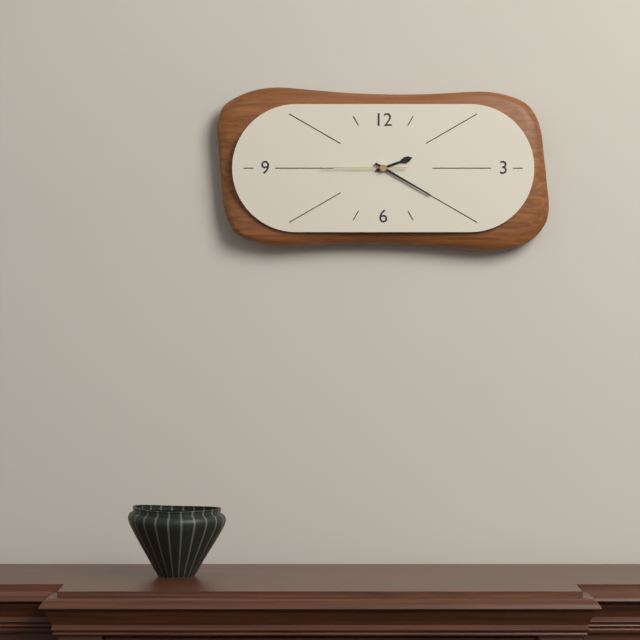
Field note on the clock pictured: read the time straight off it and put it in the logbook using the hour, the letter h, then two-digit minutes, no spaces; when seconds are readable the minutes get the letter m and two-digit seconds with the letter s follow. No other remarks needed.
2h20m45s
